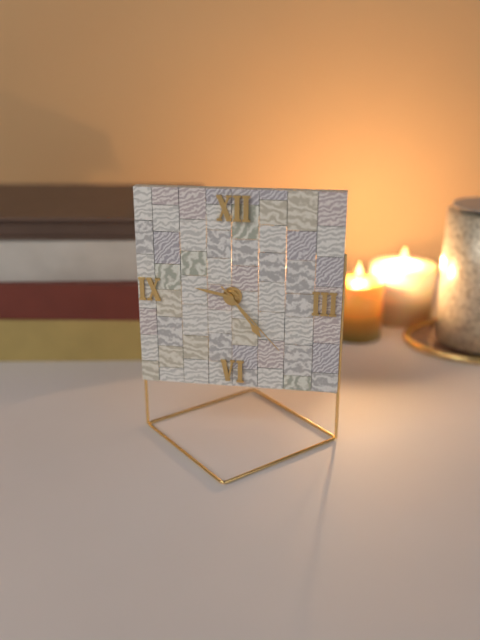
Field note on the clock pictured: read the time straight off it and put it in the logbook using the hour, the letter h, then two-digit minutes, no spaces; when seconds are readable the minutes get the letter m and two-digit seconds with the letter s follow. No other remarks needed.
9h24m23s
